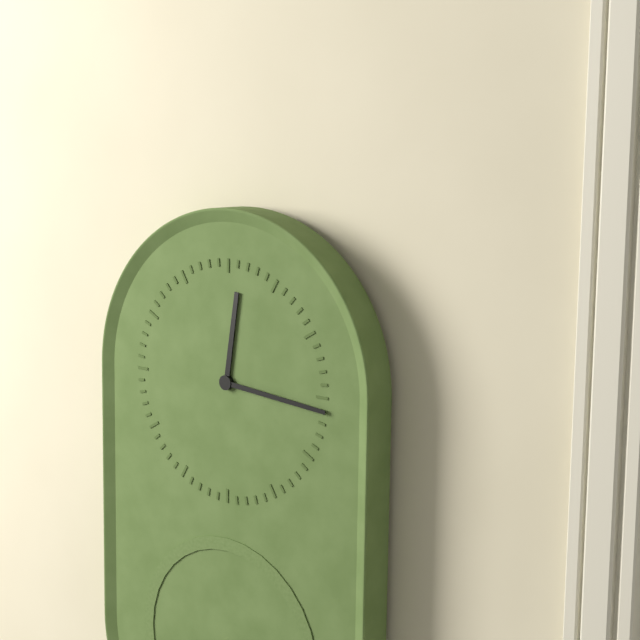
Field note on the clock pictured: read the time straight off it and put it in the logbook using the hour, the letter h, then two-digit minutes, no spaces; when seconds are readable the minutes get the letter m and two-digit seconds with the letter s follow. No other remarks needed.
12h16
